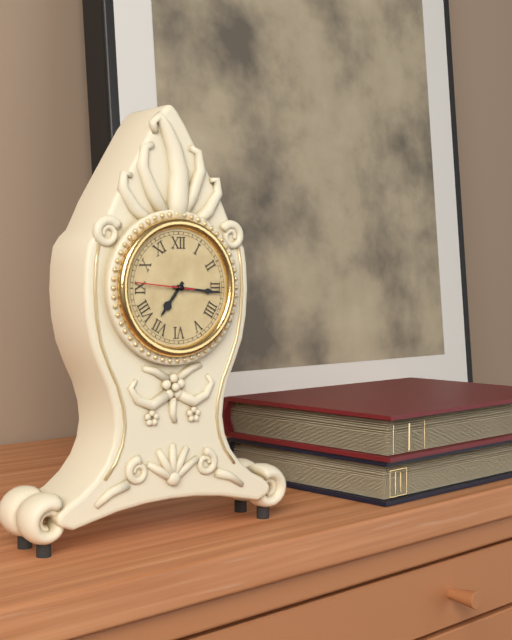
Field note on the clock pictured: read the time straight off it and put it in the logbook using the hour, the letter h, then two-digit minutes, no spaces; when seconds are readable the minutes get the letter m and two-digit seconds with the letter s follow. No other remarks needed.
7h16m46s
